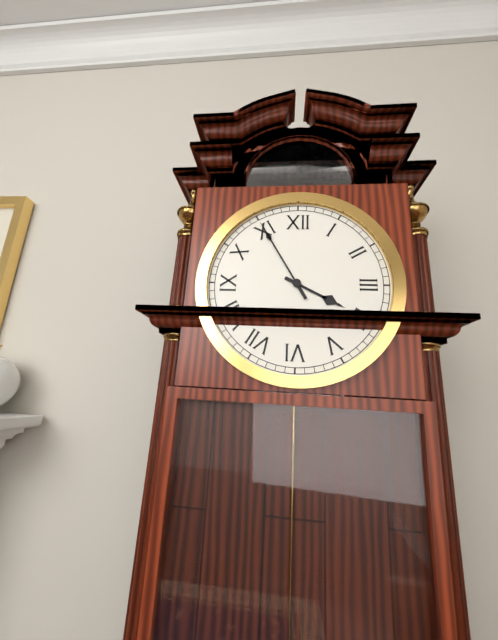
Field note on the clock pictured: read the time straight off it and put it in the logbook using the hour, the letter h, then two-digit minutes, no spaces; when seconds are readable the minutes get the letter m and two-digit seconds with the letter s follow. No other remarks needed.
3h55
